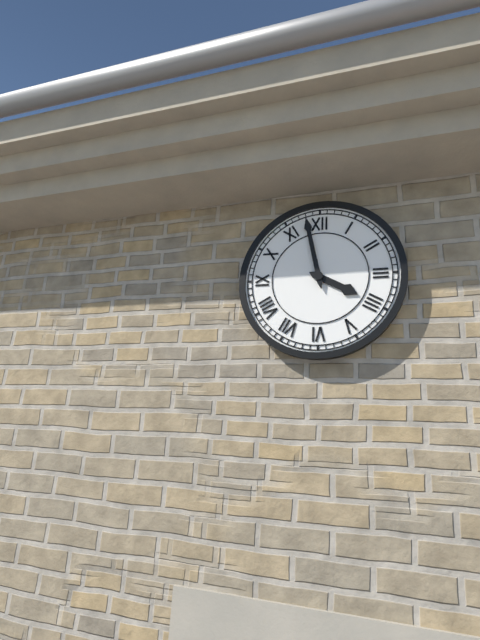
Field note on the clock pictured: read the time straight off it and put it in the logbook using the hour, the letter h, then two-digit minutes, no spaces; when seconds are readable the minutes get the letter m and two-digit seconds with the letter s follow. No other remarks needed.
3h58
